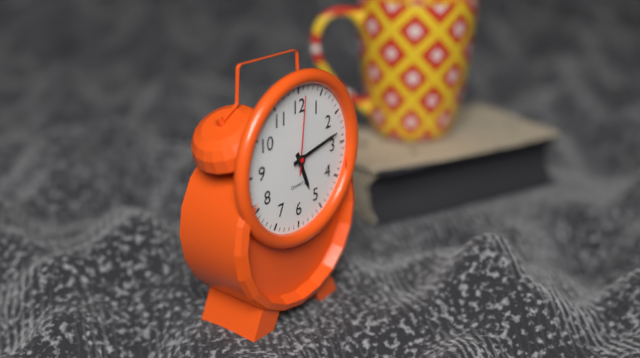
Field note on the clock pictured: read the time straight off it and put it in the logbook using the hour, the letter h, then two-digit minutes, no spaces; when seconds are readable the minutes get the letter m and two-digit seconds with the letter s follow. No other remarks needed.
5h13m01s
